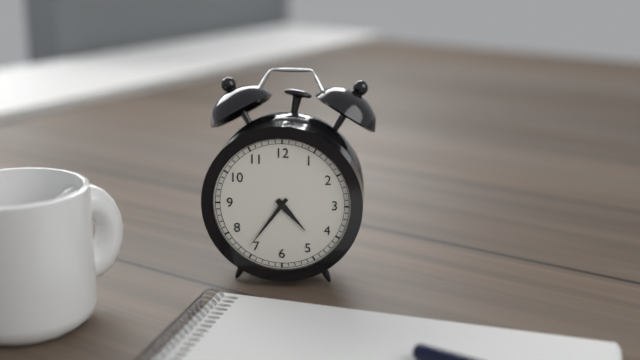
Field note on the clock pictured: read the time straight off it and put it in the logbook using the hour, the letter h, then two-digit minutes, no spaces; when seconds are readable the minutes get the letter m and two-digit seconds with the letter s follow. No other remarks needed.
4h36
